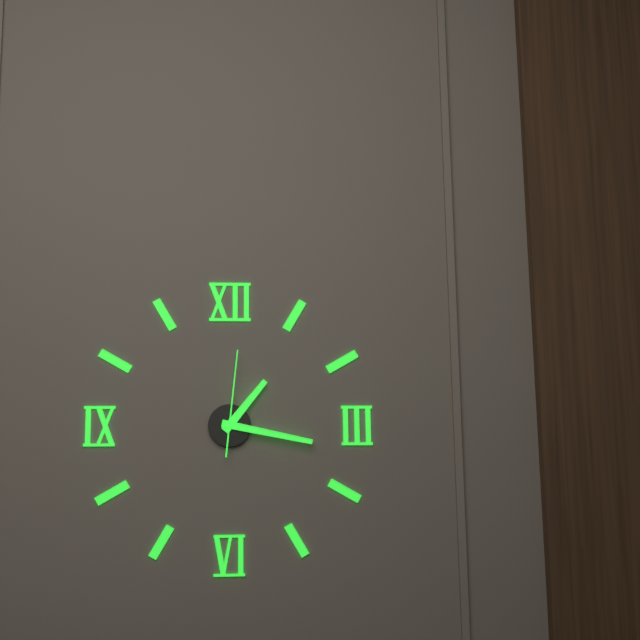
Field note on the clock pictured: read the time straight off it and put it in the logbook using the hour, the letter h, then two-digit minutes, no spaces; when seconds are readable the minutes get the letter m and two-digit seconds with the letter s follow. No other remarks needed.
1h17m01s
